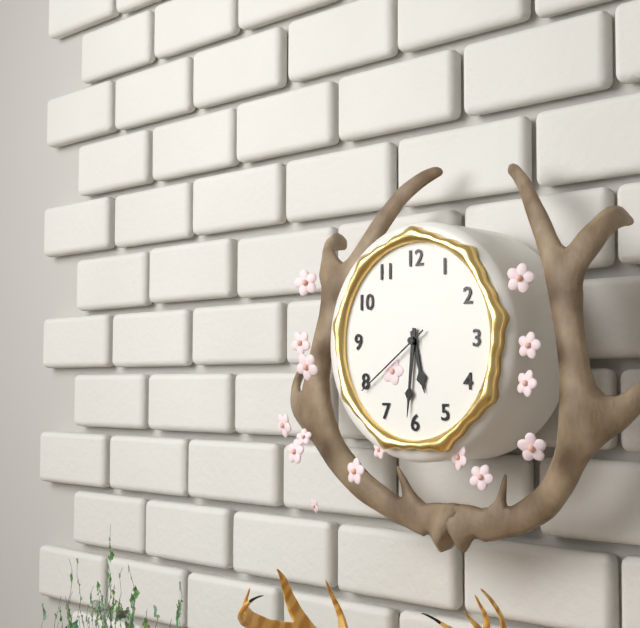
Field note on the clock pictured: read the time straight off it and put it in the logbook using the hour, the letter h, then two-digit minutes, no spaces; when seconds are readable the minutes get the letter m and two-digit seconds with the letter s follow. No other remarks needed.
5h31m39s
